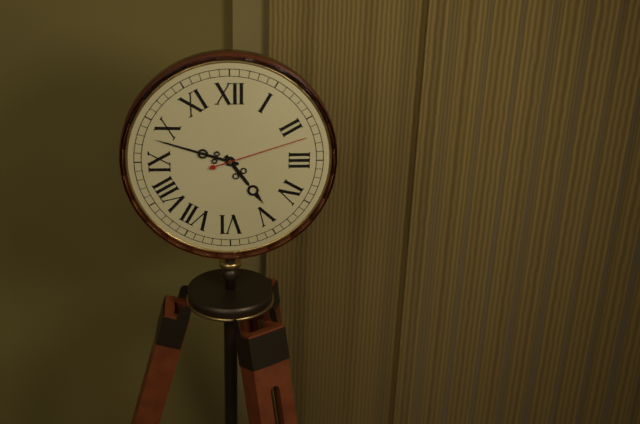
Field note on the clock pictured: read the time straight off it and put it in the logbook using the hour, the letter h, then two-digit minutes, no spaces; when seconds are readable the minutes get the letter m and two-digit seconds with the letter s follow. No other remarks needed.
4h48m12s
